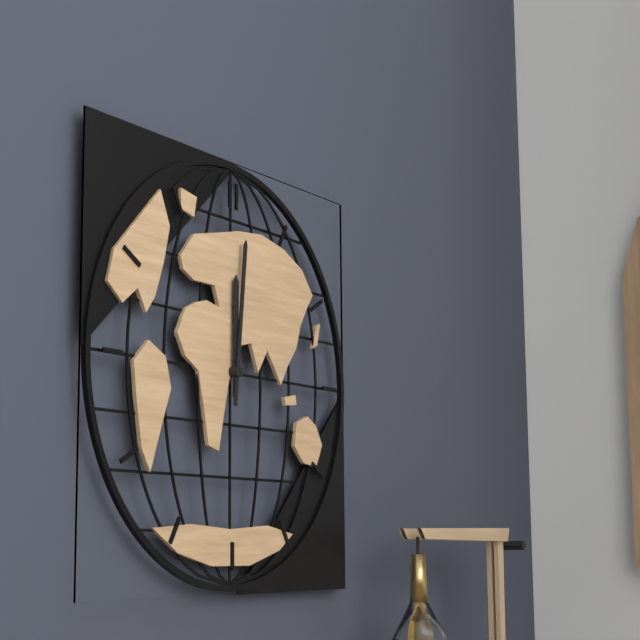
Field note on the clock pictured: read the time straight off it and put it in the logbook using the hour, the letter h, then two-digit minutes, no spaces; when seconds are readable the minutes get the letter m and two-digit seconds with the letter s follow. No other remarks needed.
12h01
